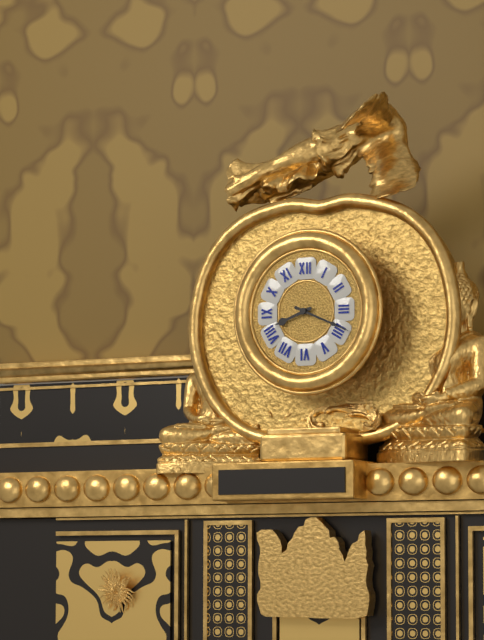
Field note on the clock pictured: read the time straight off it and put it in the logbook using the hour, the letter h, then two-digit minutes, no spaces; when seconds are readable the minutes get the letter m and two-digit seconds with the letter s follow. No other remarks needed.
8h19
